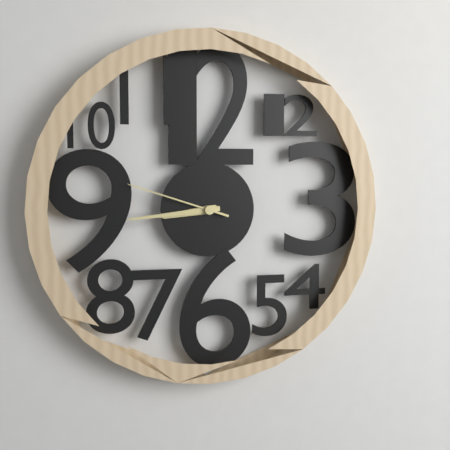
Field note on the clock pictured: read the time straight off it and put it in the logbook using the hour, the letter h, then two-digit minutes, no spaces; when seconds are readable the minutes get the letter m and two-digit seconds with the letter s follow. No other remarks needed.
8h44m48s
